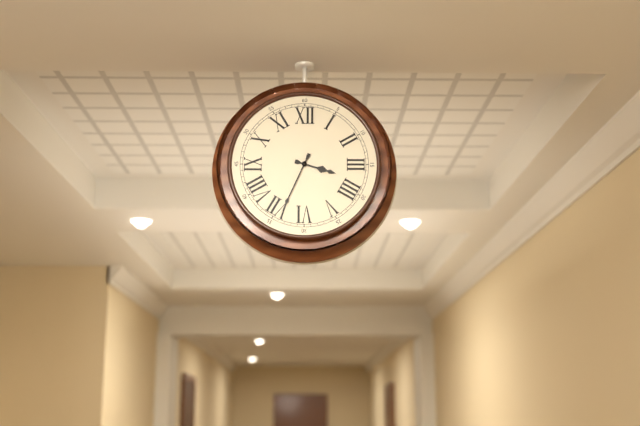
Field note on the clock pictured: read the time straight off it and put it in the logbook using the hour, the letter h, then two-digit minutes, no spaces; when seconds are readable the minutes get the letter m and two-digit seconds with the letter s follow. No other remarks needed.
3h34
